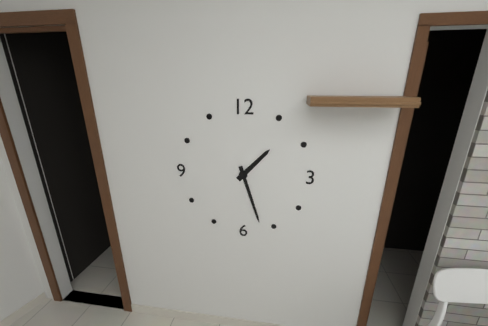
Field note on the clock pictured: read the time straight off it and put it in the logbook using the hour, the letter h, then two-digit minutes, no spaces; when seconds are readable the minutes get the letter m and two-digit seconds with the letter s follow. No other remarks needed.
1h27
